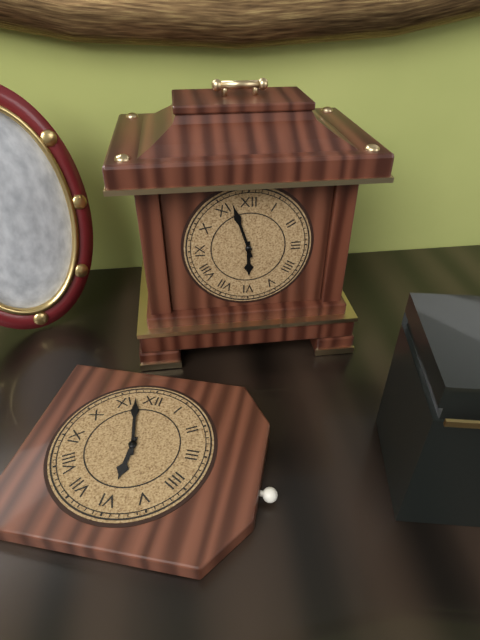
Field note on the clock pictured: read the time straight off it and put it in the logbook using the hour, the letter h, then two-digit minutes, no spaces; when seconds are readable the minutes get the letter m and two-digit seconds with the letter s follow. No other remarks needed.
5h57
